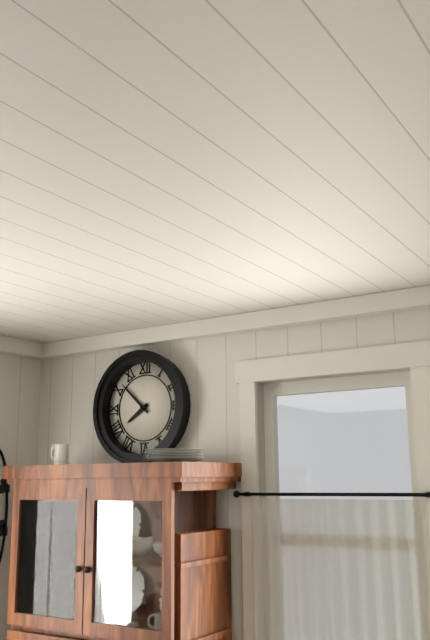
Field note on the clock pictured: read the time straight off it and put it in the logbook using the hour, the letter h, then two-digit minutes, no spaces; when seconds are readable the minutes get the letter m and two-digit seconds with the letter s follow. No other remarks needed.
7h52
